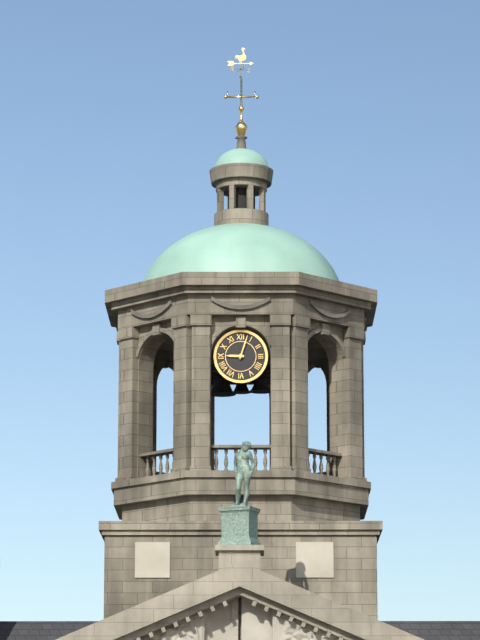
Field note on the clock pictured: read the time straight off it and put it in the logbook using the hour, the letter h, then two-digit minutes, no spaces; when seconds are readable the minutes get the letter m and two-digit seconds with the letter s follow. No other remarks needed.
9h03
